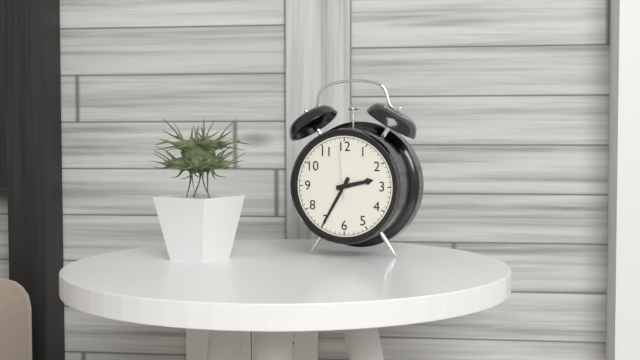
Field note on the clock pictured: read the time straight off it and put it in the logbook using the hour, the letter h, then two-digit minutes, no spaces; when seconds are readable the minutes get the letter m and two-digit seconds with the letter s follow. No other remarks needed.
2h35m59s
